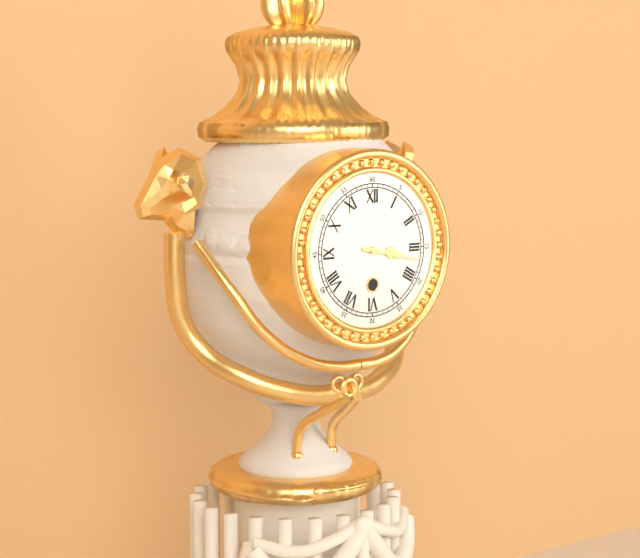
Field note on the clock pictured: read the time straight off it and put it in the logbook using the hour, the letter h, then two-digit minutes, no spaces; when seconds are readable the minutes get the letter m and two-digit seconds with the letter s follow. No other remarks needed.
3h17
